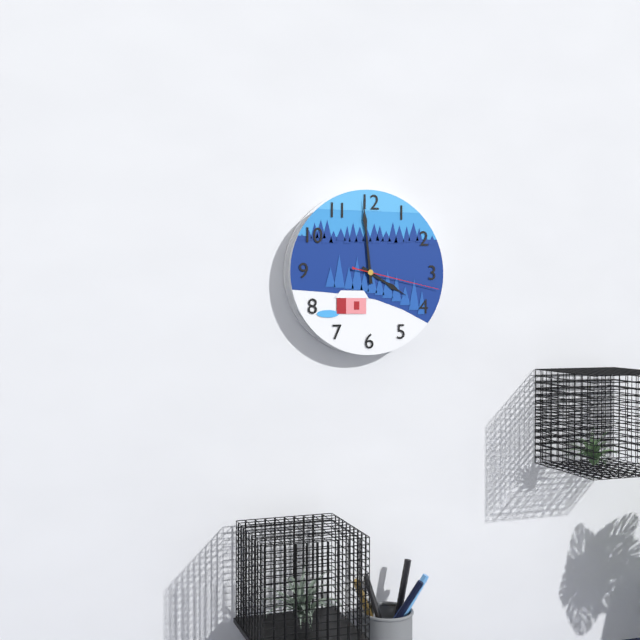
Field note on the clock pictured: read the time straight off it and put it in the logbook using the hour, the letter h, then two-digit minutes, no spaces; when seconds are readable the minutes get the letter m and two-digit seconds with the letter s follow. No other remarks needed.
3h59m17s
